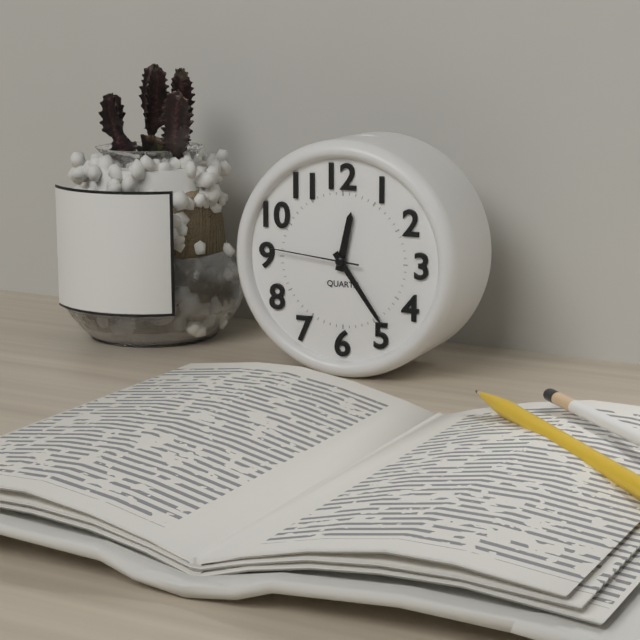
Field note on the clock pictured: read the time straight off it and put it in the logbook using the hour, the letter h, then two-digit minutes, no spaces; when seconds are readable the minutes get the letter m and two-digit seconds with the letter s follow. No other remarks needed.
12h24m46s
